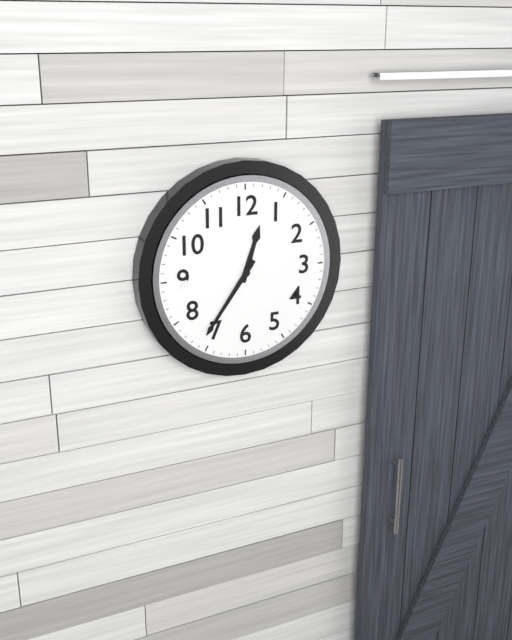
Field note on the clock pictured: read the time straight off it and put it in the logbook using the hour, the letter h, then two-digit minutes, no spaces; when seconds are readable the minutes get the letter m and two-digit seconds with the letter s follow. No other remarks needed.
12h36
